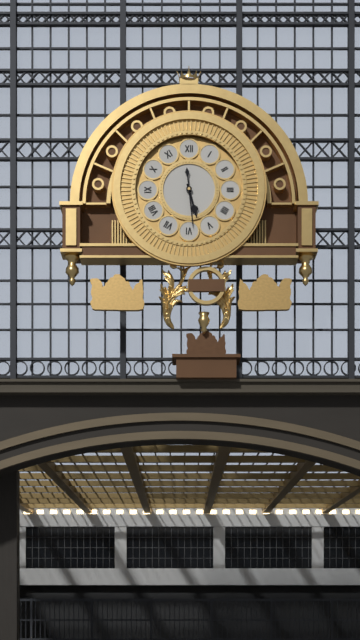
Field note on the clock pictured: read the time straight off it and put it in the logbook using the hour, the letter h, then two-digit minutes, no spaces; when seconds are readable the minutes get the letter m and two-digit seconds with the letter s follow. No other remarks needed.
5h29
